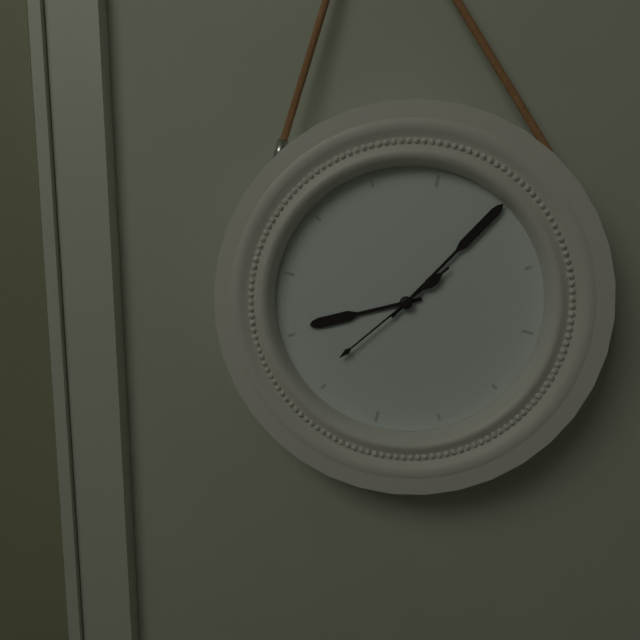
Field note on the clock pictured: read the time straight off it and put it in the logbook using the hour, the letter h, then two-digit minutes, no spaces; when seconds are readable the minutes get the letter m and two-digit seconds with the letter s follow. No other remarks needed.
8h05m36s
